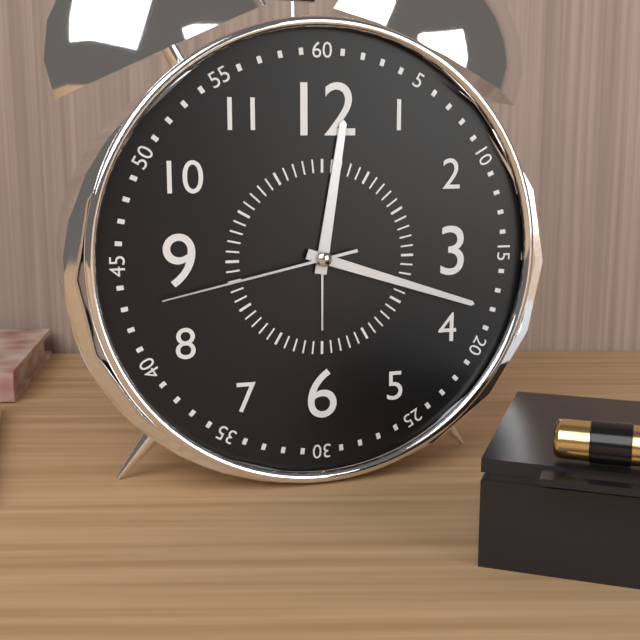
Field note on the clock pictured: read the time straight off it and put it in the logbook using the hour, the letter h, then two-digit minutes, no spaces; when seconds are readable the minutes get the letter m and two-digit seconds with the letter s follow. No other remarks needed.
12h18m43s
